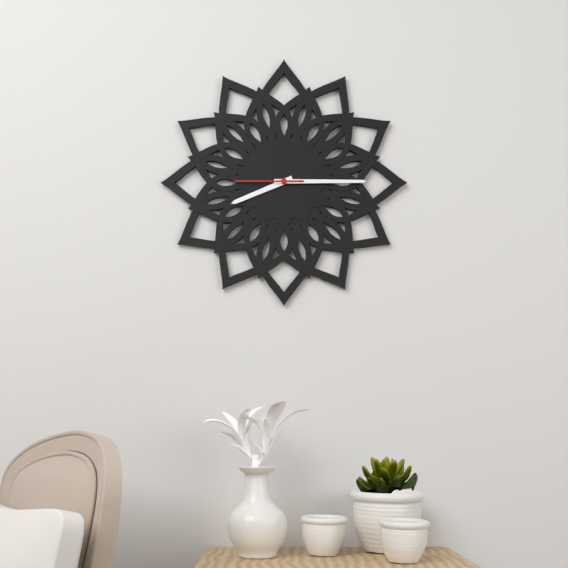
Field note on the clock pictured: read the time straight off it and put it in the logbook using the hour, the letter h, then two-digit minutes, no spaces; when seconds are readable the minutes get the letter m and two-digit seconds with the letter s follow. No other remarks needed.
8h15m45s
